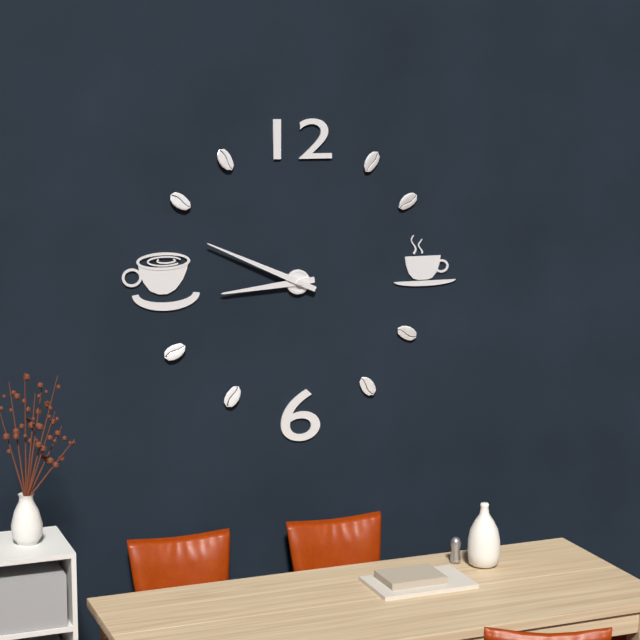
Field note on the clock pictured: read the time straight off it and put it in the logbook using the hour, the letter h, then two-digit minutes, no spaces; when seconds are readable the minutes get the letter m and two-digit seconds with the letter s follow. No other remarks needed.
8h49
